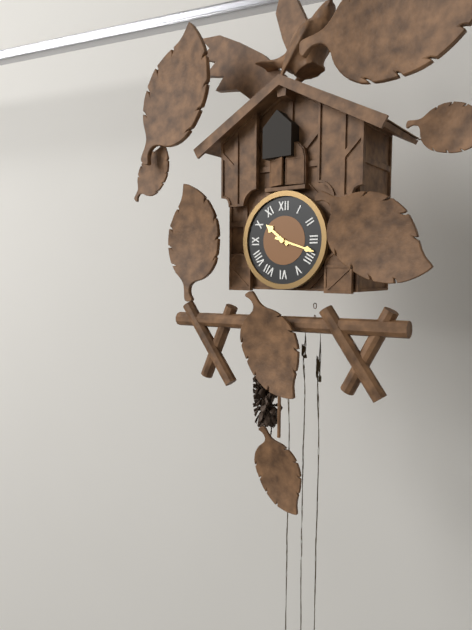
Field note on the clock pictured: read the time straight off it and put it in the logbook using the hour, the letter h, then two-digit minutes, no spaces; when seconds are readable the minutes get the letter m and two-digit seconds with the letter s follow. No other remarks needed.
10h18
